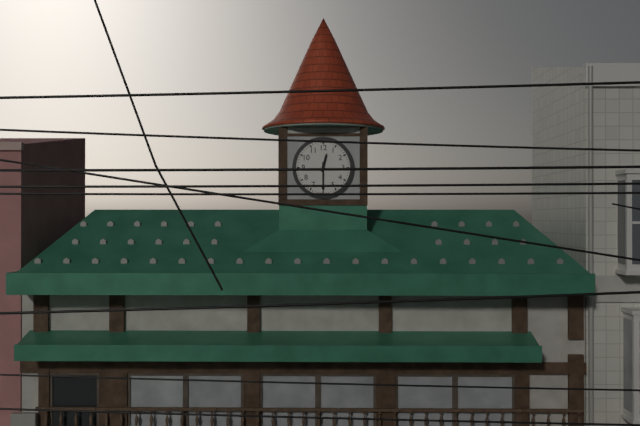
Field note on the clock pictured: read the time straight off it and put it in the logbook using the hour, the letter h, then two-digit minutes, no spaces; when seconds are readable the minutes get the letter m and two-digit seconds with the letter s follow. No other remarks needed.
12h30
